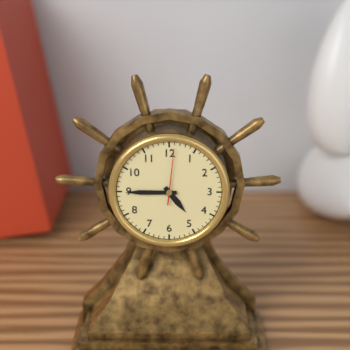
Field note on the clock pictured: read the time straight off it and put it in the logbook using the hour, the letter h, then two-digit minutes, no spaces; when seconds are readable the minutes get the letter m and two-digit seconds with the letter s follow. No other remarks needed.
4h45m01s
